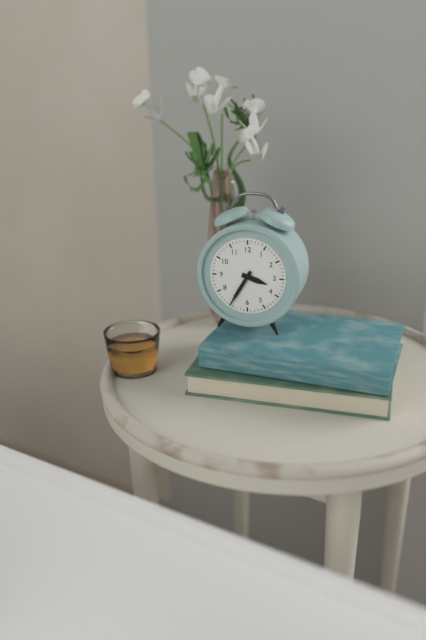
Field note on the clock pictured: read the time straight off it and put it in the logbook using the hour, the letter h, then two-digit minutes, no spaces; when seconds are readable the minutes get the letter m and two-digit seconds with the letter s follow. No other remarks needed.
3h35
